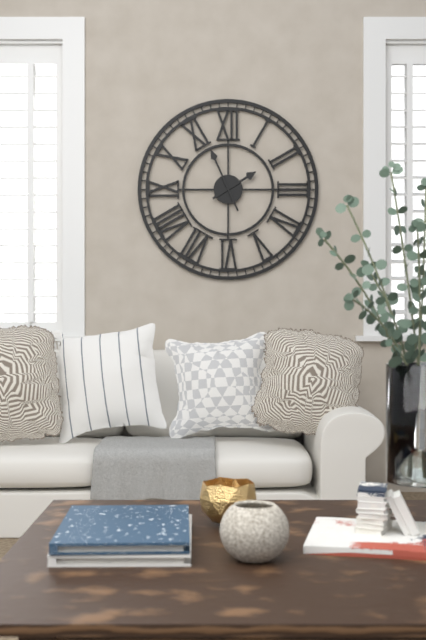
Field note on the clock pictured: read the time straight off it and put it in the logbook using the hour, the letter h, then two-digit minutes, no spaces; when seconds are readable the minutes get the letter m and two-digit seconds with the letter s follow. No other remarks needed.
1h56
